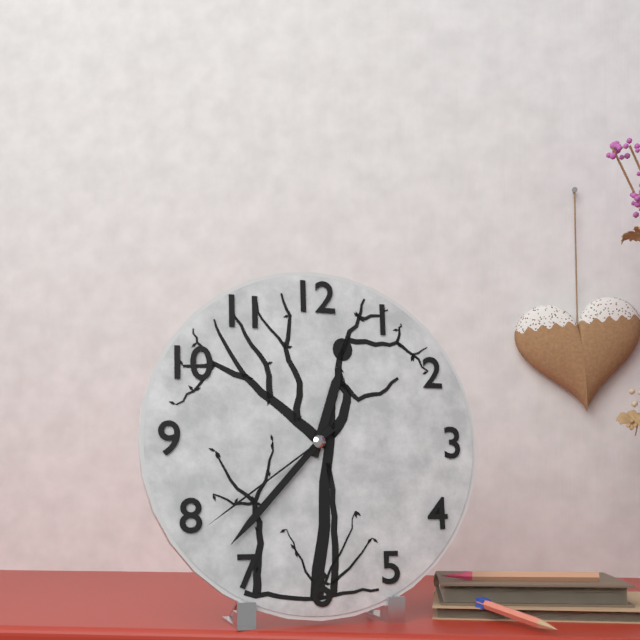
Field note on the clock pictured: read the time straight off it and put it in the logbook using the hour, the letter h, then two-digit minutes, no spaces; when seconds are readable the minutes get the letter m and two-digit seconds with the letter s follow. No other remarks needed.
12h37m39s
